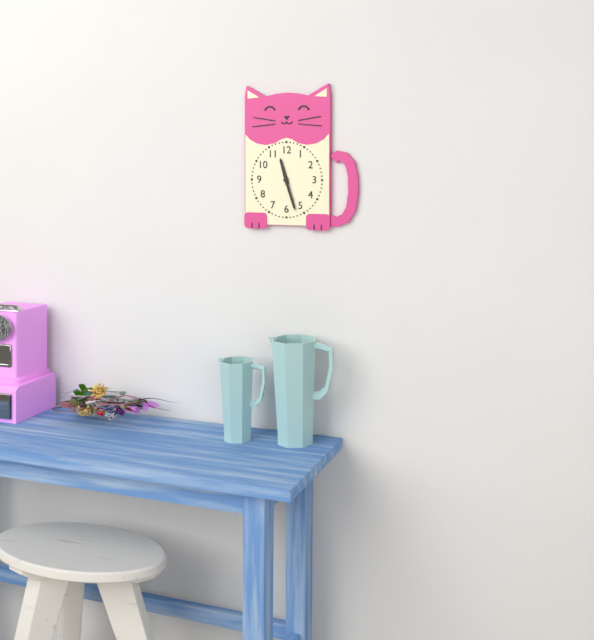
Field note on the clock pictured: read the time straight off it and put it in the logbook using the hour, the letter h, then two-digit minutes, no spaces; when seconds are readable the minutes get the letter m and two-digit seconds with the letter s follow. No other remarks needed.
11h27
